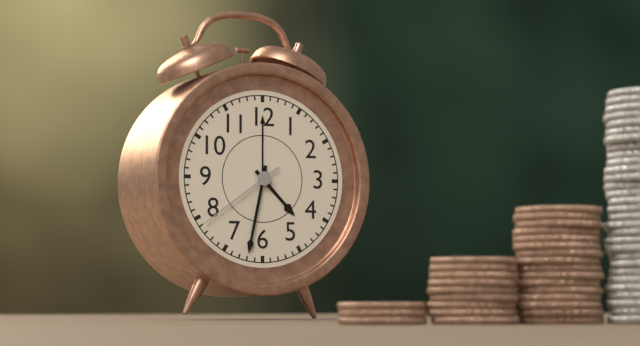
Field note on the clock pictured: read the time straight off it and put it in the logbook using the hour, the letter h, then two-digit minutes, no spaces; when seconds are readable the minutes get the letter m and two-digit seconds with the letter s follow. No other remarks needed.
4h32m39s
